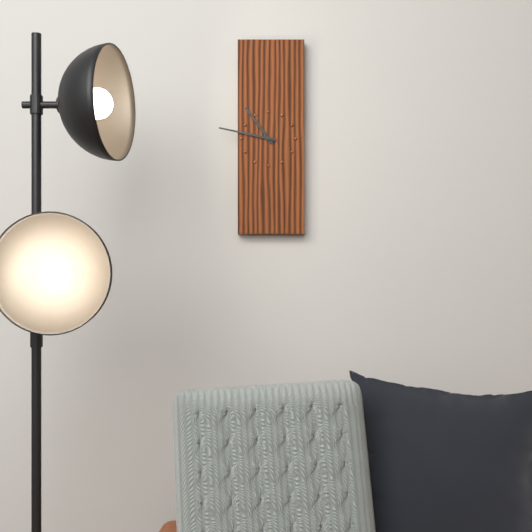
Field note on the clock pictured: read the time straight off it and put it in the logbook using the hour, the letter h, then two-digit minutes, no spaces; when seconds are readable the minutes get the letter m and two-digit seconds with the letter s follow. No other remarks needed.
10h47
